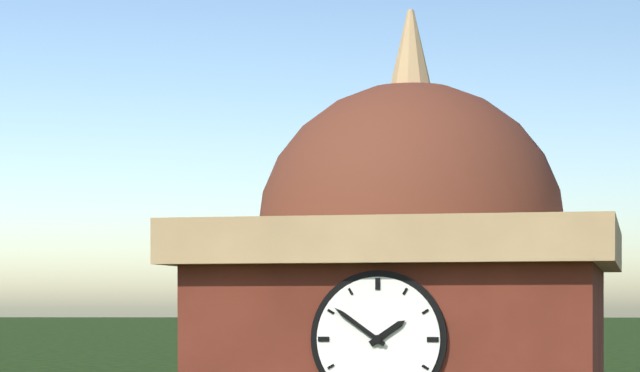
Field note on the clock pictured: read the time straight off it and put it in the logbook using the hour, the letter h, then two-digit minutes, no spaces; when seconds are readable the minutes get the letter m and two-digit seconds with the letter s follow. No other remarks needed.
1h51
